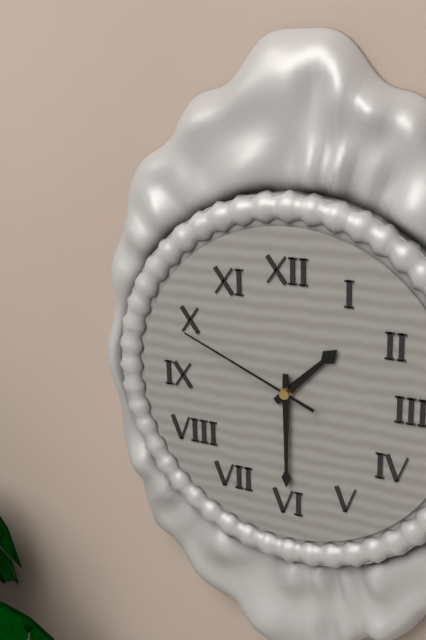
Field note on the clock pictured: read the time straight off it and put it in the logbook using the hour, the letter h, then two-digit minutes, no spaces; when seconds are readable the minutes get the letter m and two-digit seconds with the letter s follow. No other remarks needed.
1h30m49s
